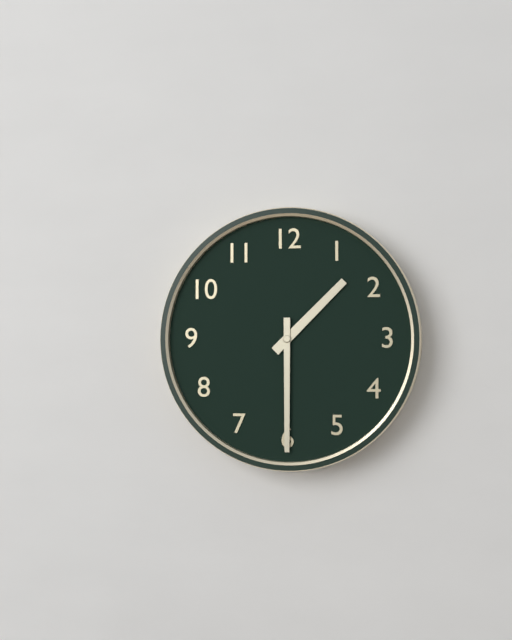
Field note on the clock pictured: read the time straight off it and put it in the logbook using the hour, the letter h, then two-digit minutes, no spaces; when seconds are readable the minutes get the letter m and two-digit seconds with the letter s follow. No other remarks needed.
1h30
